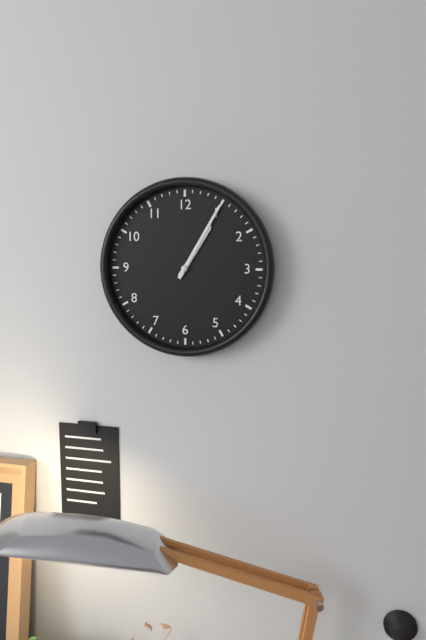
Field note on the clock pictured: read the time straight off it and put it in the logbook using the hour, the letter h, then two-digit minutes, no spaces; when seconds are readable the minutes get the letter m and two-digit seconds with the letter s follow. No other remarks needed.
1h05
